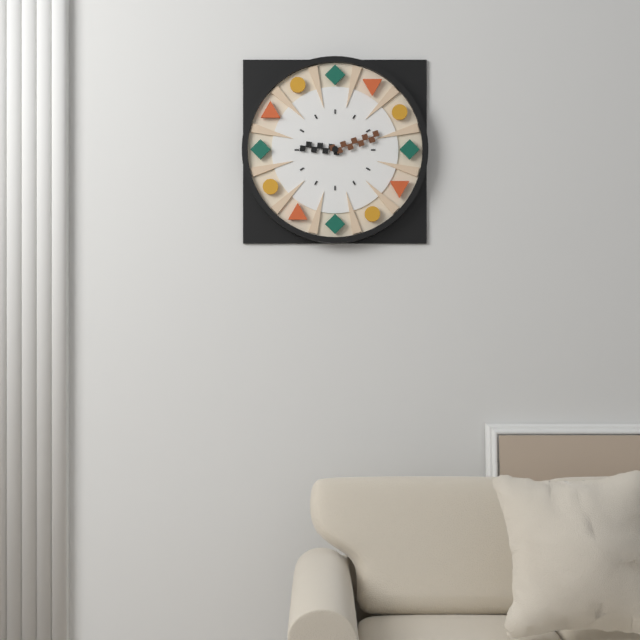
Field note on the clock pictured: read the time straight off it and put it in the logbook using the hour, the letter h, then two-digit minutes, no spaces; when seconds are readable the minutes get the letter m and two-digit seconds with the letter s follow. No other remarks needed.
9h12
